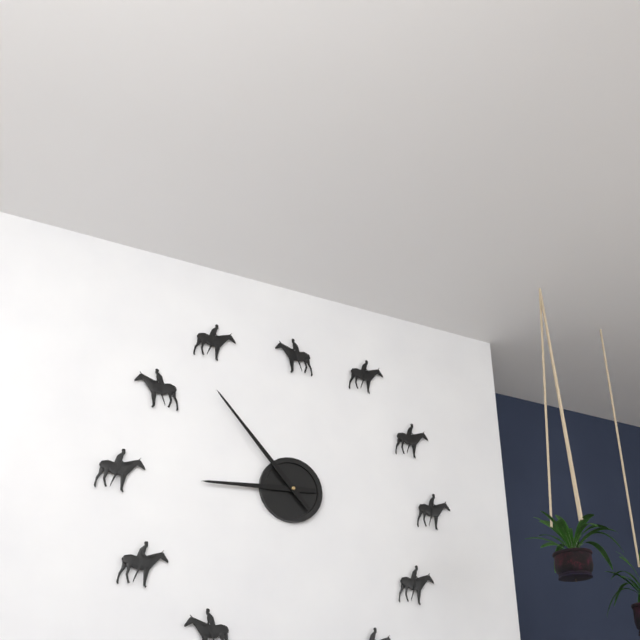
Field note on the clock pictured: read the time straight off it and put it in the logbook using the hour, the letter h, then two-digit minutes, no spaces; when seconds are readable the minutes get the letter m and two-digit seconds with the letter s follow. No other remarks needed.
8h53
